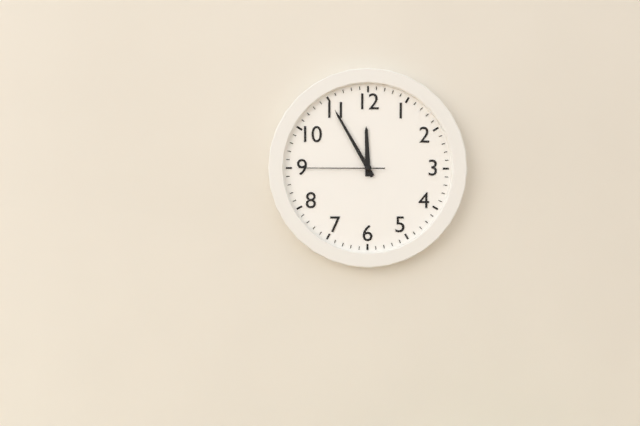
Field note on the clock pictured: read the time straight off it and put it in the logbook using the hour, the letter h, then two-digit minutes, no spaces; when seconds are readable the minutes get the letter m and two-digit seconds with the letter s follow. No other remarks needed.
11h55m45s
